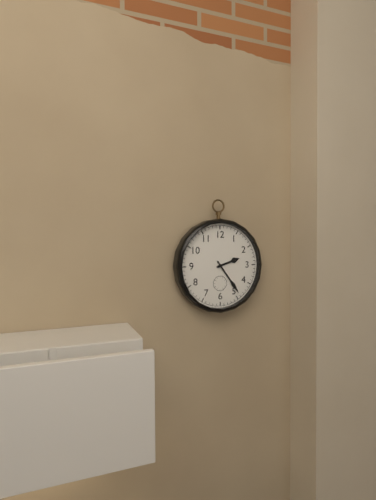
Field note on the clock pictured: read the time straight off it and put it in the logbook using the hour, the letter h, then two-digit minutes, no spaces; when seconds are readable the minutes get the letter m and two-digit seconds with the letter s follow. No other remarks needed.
2h24
